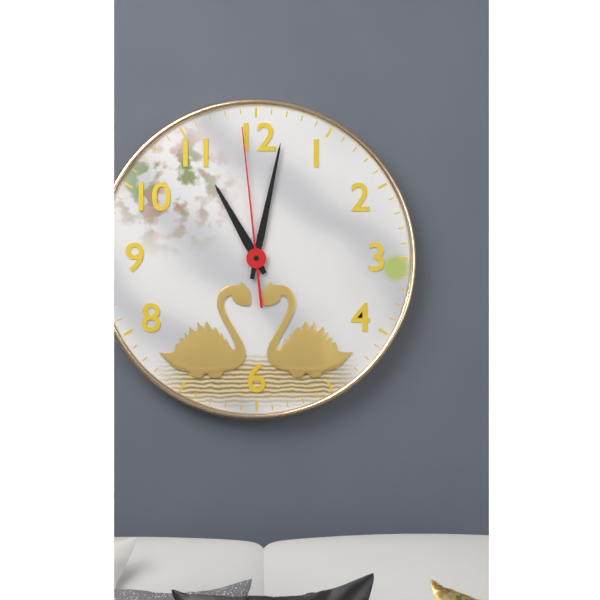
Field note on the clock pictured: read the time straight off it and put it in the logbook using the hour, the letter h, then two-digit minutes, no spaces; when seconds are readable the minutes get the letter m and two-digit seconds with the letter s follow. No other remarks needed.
11h02m59s
